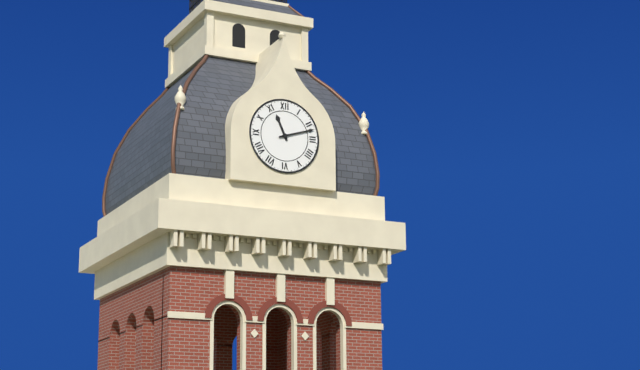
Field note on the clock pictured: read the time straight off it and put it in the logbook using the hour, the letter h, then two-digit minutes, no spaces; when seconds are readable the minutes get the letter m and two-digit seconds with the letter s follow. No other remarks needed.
11h12
